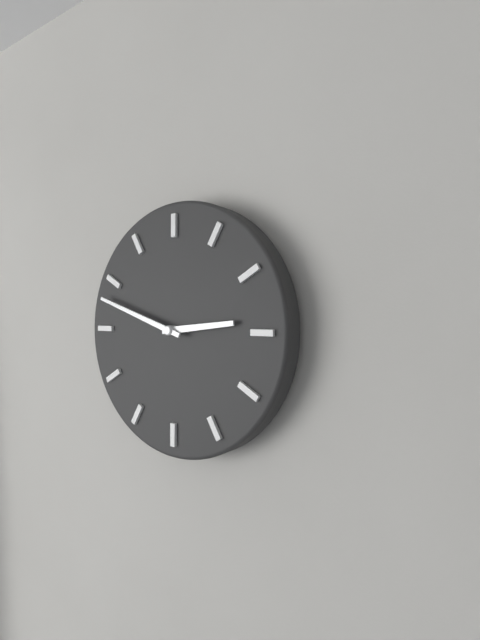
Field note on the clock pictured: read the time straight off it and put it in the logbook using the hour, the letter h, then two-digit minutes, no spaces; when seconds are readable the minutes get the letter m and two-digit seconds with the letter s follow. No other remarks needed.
2h48
